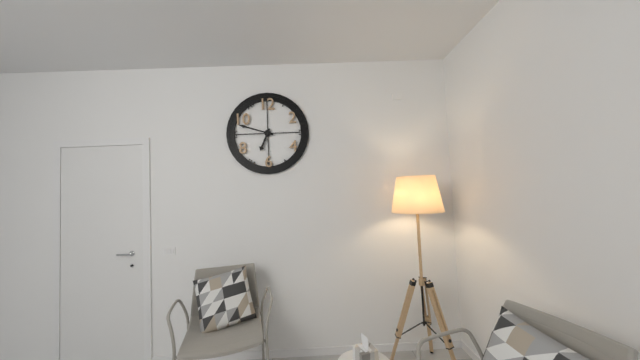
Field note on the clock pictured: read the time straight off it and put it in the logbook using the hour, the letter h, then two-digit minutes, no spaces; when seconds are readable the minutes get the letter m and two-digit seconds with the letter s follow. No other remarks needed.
6h48
